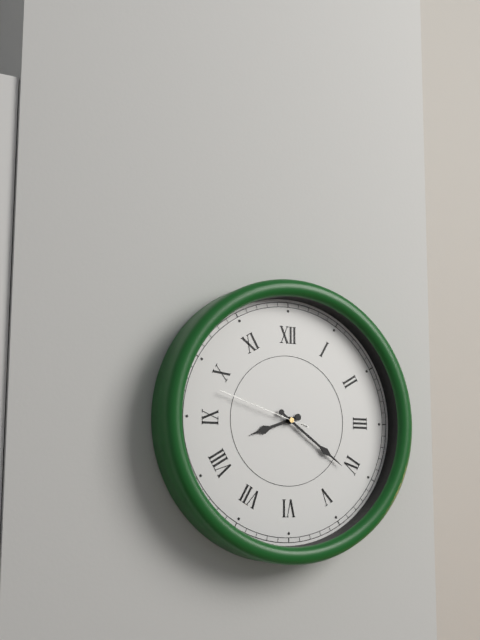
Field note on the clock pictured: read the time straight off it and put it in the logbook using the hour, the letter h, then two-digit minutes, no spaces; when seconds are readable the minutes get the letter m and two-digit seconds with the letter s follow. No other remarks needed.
8h21m48s
